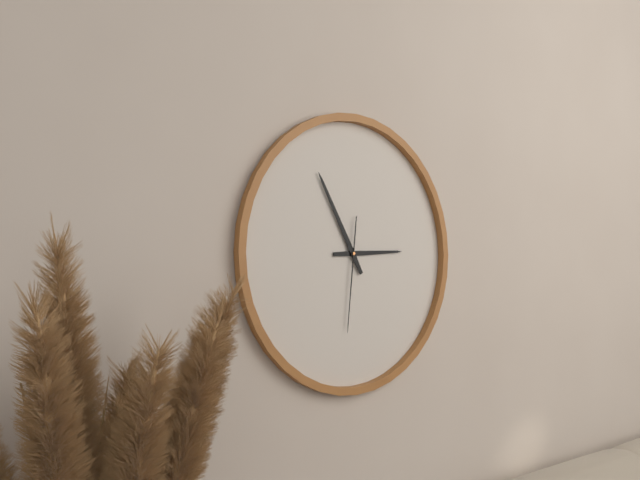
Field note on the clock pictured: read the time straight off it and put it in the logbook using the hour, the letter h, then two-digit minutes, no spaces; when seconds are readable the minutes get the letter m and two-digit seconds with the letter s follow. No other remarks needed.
2h55m31s
